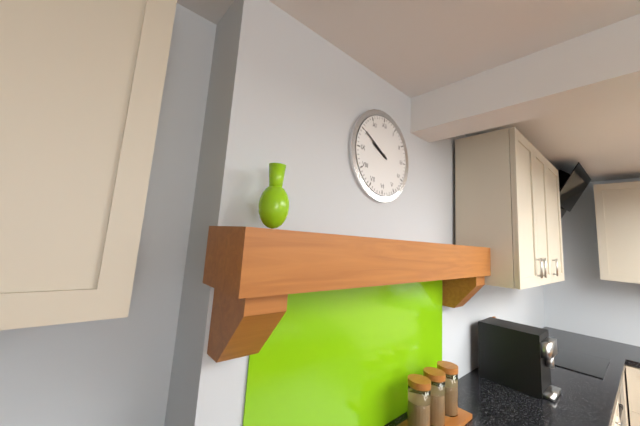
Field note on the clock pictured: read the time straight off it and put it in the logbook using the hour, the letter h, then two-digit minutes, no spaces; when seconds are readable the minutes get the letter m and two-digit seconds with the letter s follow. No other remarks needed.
9h50
